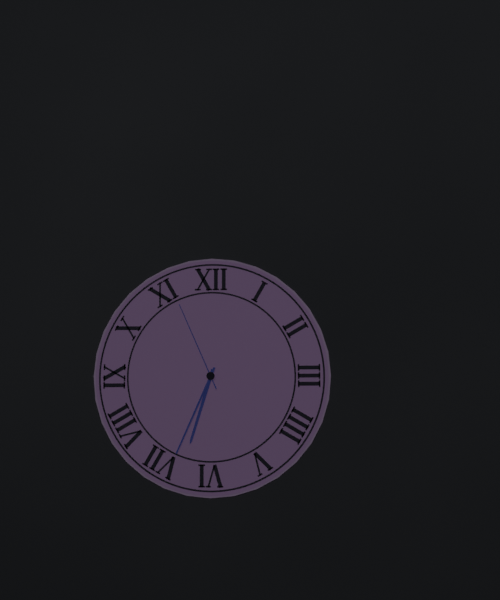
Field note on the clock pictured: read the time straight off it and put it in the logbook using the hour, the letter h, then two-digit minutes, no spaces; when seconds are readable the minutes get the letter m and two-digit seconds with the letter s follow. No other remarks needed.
6h34m56s
